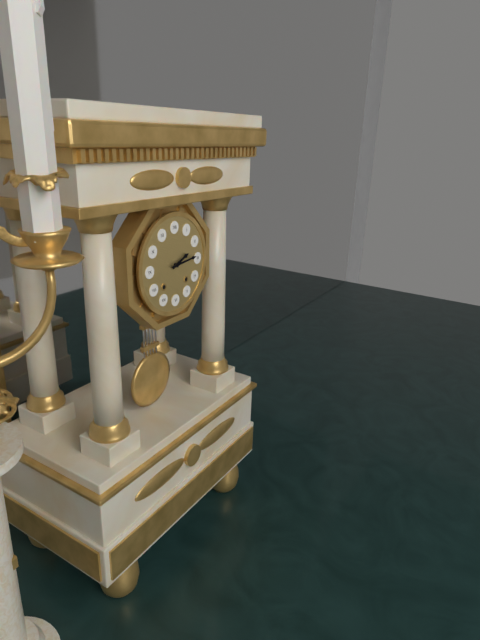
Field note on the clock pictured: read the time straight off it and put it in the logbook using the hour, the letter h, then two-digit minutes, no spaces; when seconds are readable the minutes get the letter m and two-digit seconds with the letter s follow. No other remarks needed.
2h14
